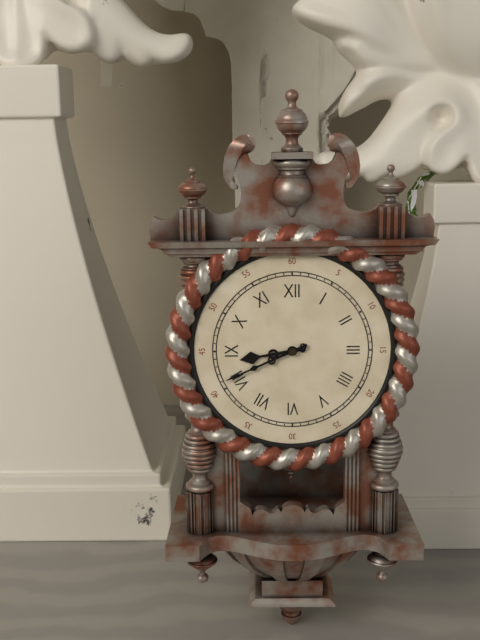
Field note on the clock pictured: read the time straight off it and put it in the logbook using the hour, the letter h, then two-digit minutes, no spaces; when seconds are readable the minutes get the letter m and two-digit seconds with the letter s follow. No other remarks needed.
8h41
